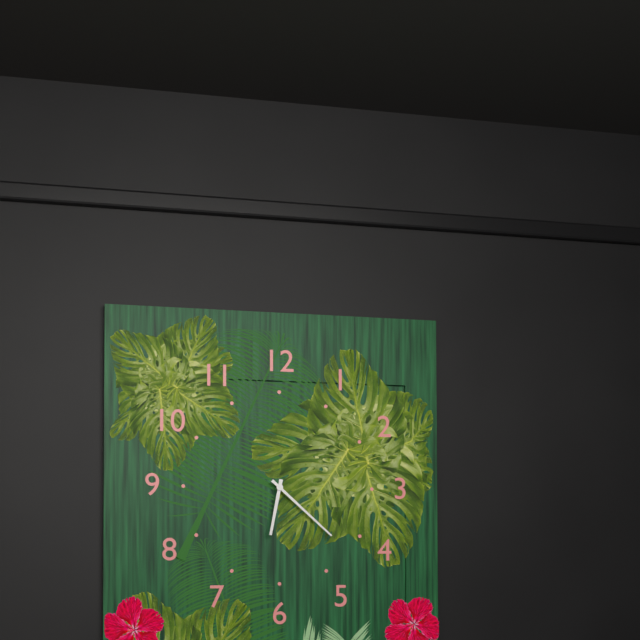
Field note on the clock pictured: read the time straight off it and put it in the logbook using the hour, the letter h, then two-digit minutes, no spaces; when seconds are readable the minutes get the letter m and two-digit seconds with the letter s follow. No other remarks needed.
6h22
